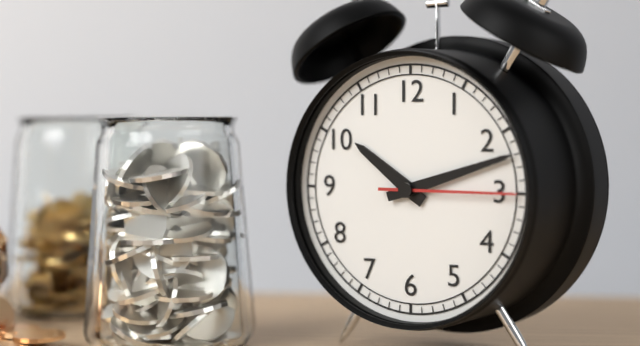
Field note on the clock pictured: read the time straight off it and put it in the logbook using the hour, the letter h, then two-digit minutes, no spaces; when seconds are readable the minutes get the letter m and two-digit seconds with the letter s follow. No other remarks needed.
10h12m15s
